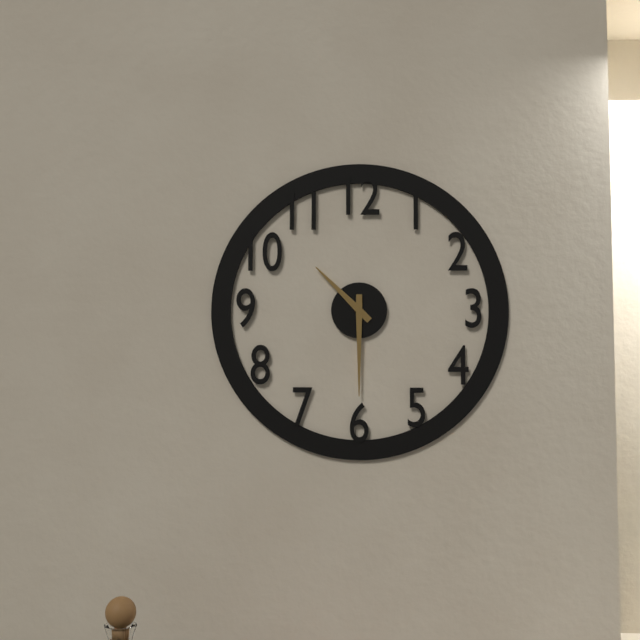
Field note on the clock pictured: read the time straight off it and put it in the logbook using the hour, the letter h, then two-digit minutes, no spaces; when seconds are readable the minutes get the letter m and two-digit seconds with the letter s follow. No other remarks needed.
10h30
